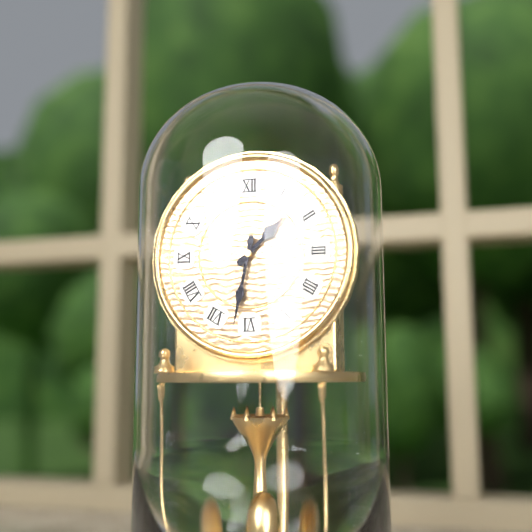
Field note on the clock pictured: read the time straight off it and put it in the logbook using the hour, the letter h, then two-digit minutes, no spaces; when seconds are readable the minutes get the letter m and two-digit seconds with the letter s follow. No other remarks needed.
1h32
